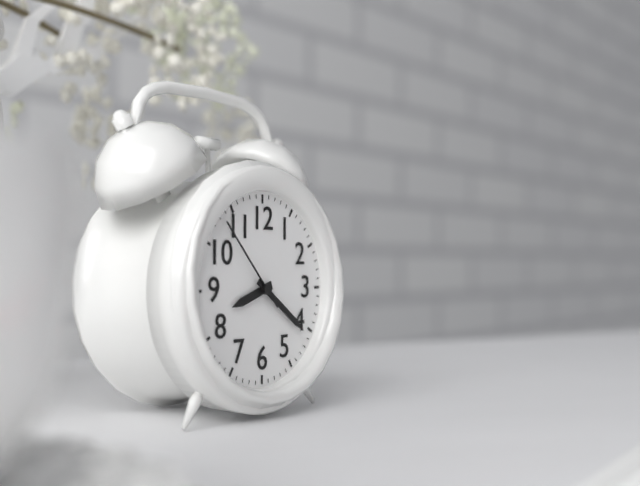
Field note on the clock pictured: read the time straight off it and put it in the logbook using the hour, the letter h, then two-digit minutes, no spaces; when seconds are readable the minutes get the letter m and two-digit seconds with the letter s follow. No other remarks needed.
8h21m53s
